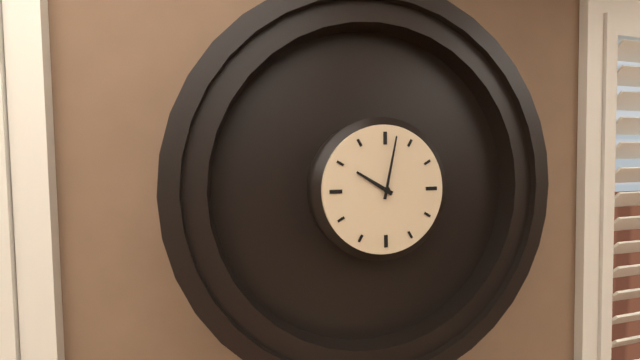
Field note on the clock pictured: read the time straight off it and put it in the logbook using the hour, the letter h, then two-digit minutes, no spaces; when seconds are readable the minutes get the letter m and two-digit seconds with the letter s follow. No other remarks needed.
10h02
